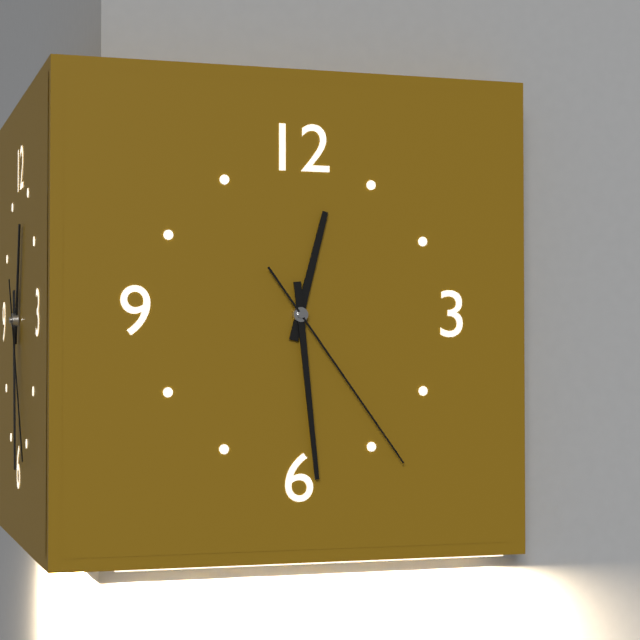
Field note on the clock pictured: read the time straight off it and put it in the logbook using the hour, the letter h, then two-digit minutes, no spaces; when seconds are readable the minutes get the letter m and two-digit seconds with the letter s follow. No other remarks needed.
12h29m24s
